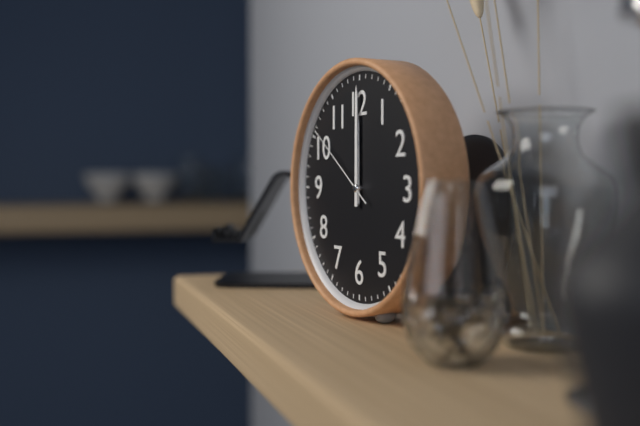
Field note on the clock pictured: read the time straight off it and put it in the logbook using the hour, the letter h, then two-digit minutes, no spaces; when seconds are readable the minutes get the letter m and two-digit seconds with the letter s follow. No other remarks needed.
12h00m51s
